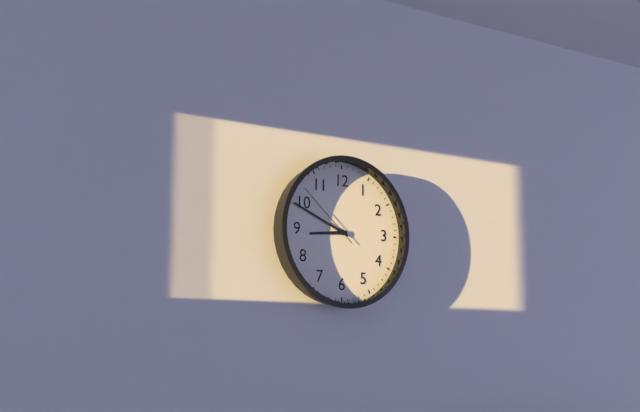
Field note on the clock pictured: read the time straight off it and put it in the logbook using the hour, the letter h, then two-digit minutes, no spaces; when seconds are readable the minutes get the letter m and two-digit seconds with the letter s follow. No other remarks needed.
8h49m52s
